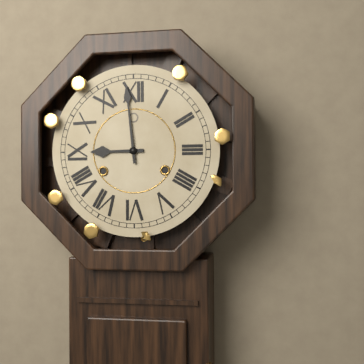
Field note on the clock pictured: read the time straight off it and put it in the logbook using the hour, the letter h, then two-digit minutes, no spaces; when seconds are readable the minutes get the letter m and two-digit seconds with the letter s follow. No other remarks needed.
8h59
